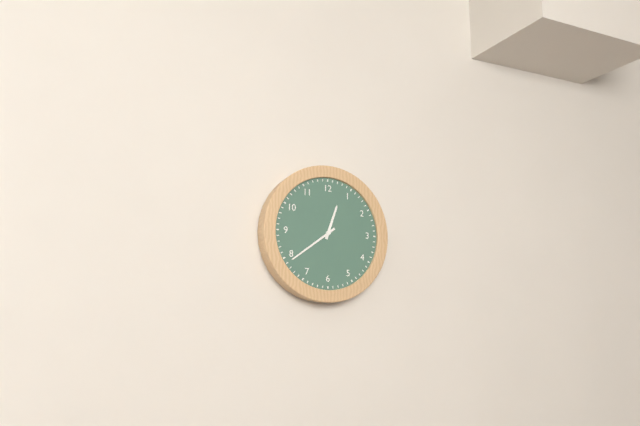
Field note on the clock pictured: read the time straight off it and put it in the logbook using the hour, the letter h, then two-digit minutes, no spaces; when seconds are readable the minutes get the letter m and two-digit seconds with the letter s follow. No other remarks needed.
12h39
